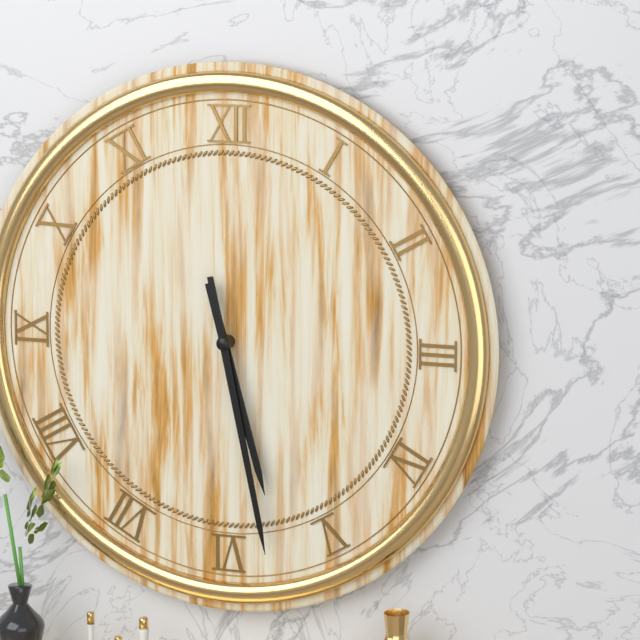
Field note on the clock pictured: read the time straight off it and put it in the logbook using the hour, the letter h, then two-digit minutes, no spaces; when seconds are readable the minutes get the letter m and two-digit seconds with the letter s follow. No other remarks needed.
5h28
